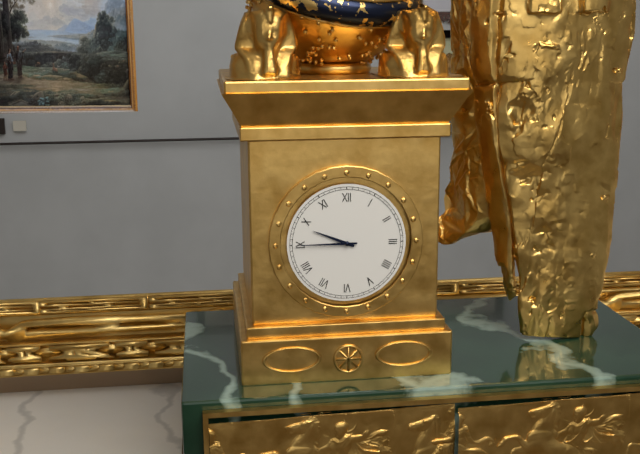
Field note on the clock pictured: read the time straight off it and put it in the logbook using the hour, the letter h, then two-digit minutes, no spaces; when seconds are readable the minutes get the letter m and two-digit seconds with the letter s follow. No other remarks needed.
9h45
